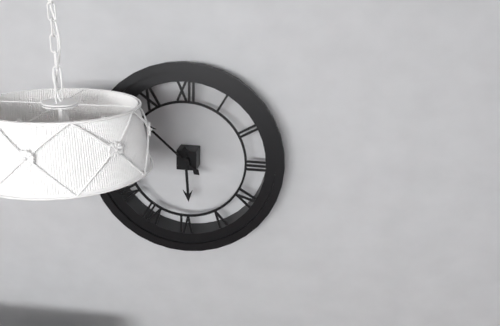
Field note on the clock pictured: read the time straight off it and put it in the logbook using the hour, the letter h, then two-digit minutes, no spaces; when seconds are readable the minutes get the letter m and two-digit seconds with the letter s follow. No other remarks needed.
5h52
